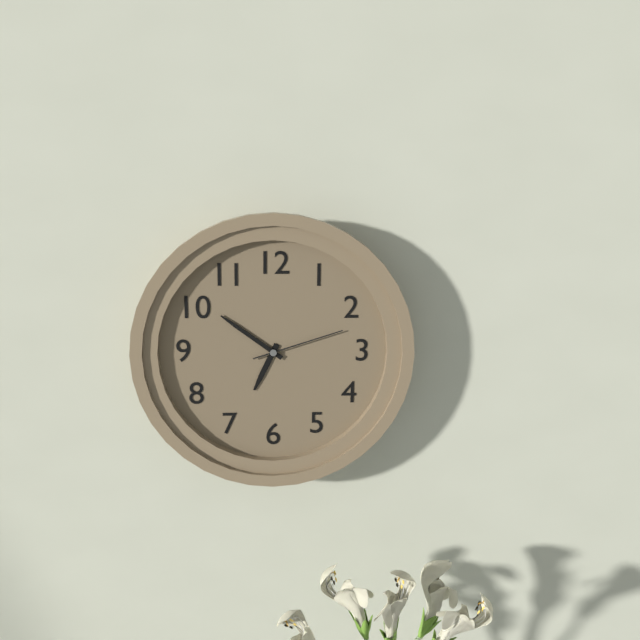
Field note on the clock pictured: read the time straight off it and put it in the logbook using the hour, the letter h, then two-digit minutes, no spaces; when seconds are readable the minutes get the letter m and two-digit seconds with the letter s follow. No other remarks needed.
6h51m12s
